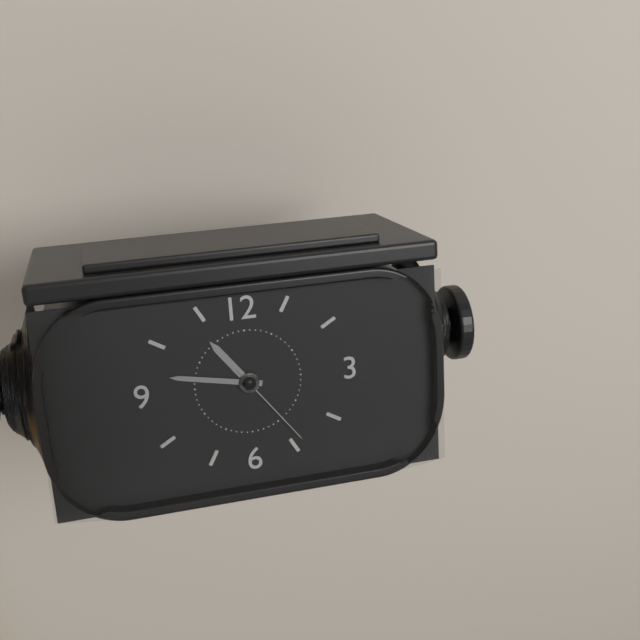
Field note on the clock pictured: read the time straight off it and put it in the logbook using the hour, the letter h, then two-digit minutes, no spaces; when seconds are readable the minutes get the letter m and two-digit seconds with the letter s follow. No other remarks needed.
10h47m24s
